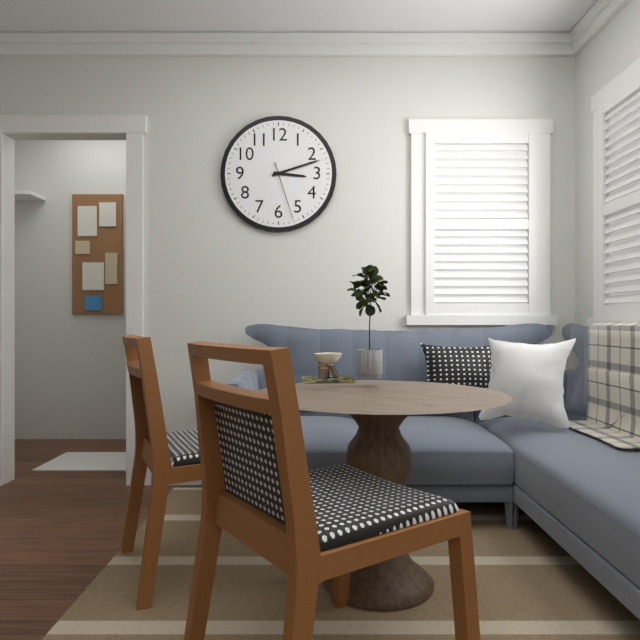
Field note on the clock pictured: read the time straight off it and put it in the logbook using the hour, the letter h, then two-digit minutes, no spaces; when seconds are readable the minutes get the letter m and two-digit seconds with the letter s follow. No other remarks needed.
3h12m27s
